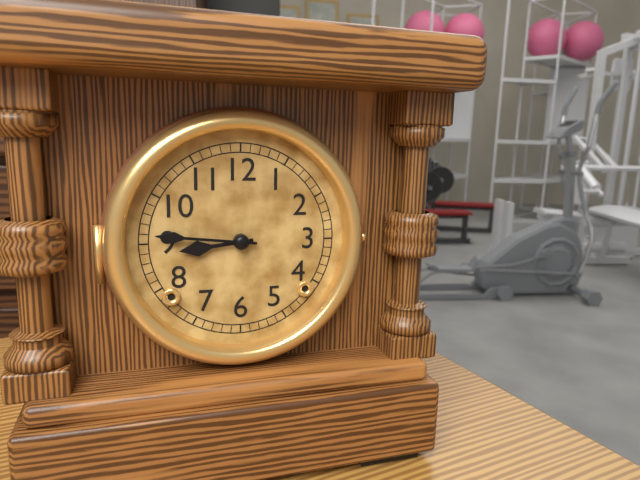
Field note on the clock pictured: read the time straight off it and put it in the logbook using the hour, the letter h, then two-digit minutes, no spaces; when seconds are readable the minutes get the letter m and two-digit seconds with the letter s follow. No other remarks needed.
8h46
